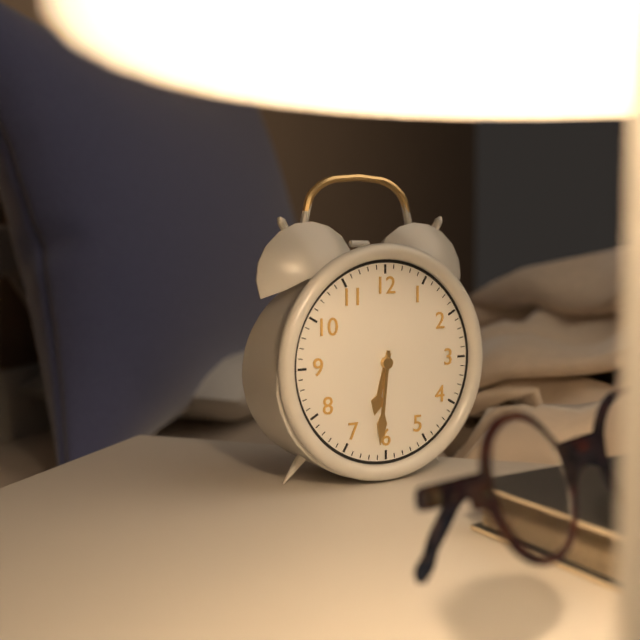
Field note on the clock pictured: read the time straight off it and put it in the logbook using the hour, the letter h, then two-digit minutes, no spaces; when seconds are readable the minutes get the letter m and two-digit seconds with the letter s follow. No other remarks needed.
6h31
